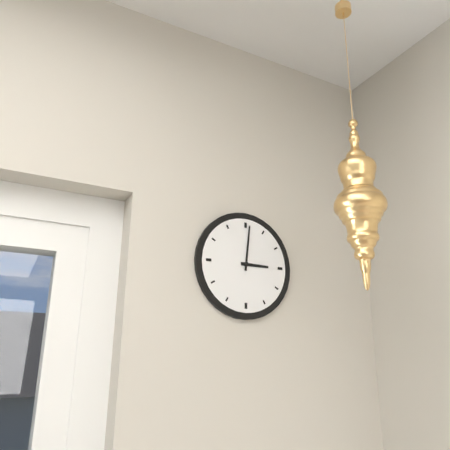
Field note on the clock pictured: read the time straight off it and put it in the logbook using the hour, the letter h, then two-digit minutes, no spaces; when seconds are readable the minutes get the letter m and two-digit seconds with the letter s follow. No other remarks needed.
3h01
